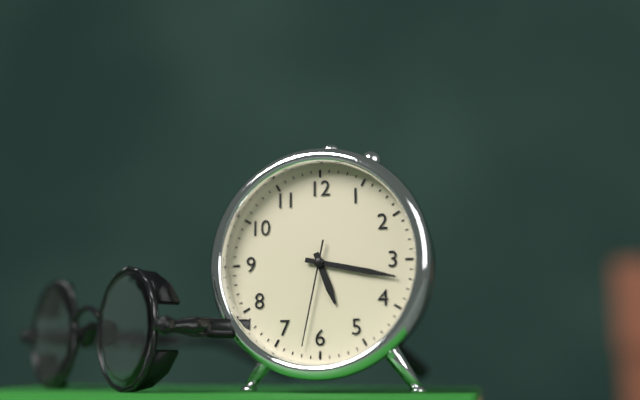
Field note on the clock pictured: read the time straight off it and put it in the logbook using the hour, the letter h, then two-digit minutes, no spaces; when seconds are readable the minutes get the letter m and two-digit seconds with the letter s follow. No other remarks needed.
5h17m32s
